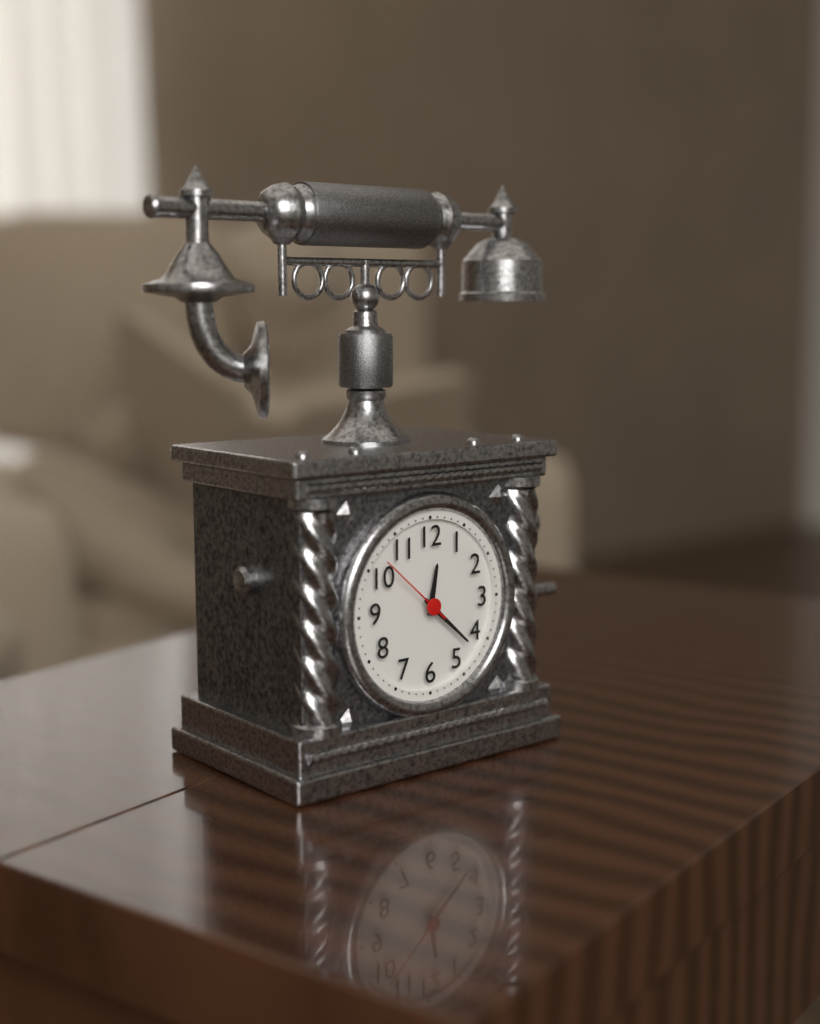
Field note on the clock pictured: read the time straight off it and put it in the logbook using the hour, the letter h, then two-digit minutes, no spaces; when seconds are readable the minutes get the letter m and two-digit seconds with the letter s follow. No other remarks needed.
12h22m52s
